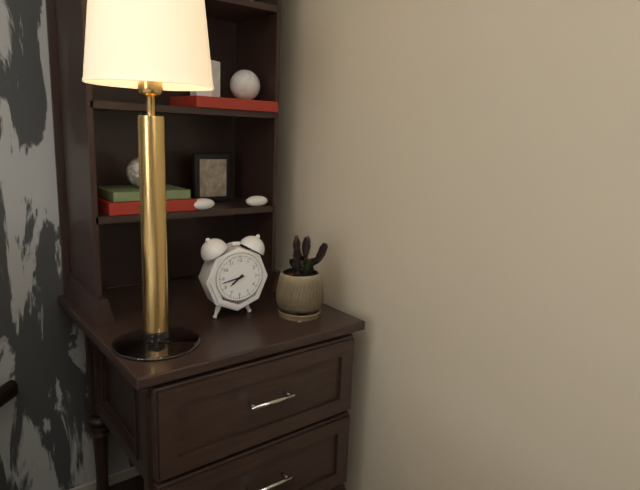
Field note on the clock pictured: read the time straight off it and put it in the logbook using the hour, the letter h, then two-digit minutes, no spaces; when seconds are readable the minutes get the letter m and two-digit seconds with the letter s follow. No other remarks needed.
7h43
